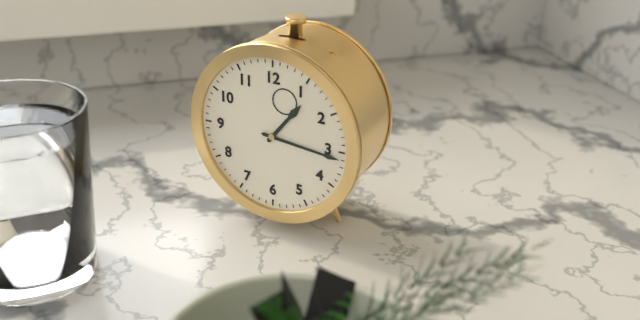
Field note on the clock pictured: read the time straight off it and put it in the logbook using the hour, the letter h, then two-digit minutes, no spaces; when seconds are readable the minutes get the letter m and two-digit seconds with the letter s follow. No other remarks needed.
1h16
